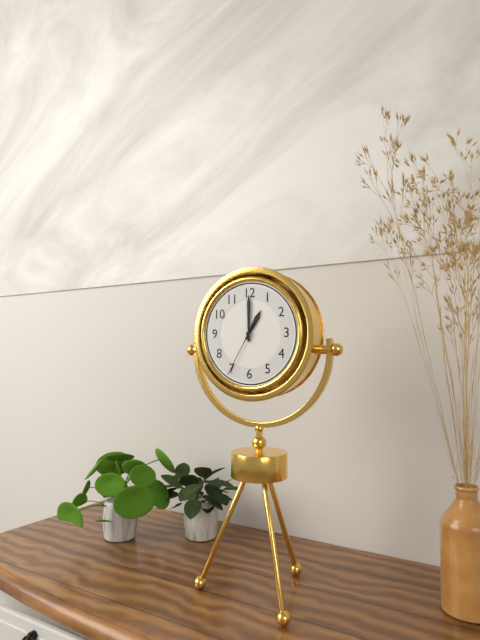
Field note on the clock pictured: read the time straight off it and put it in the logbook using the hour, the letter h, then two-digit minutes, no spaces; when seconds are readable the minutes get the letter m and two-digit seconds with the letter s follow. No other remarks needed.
1h00m35s
